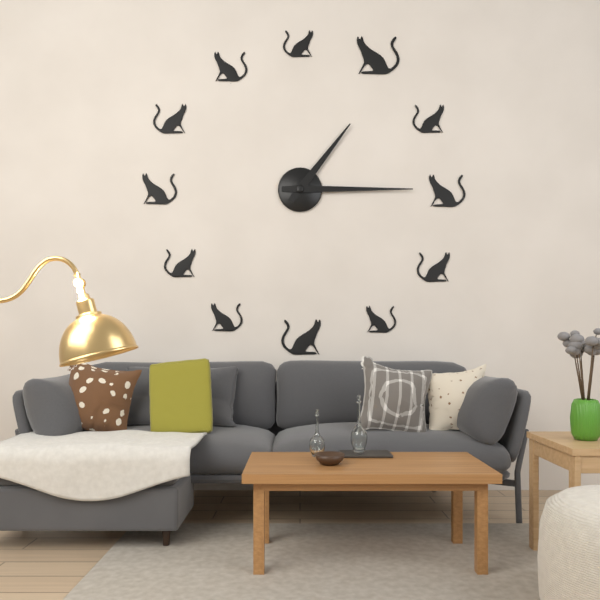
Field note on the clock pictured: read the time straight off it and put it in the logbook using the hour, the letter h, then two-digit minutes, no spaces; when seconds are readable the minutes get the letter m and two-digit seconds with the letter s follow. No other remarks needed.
1h15
